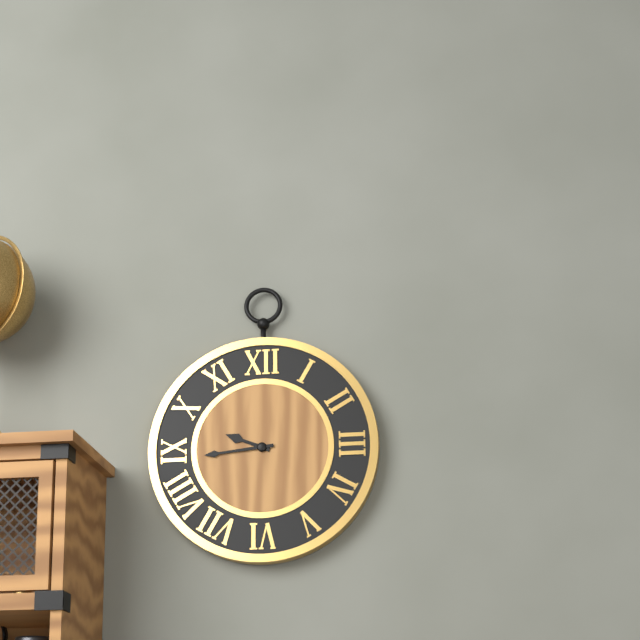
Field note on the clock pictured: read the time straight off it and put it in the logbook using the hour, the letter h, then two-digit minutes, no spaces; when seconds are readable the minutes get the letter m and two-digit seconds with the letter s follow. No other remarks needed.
9h44
